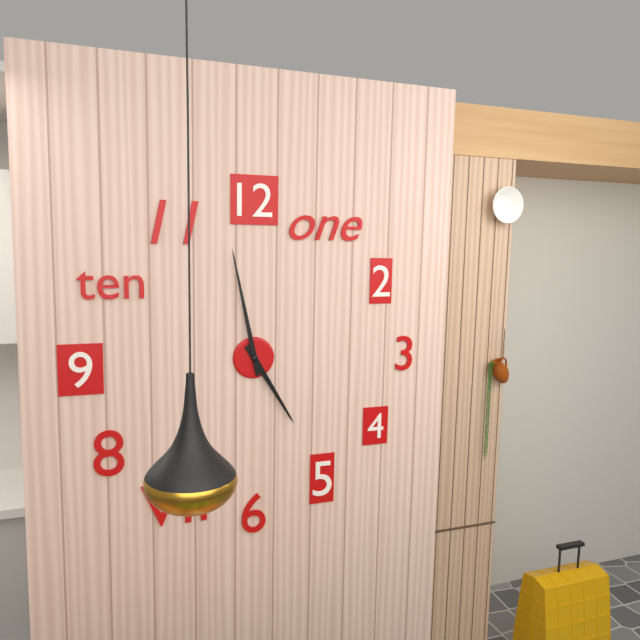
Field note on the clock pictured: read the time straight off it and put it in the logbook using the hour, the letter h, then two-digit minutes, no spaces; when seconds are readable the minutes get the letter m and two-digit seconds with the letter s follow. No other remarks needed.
4h58
